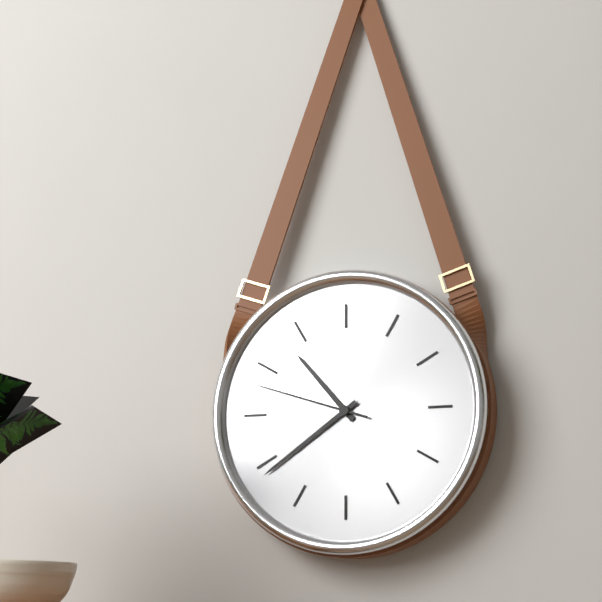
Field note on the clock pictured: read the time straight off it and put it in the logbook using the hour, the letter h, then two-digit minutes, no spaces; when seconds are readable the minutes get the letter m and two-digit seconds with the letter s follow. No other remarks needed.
10h39m48s
